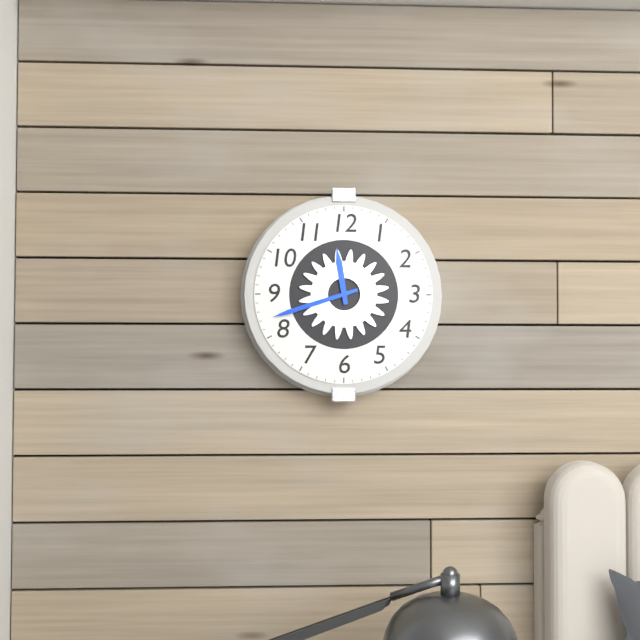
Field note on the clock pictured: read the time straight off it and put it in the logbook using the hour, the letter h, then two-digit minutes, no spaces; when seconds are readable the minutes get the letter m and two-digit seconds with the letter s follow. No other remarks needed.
11h42
